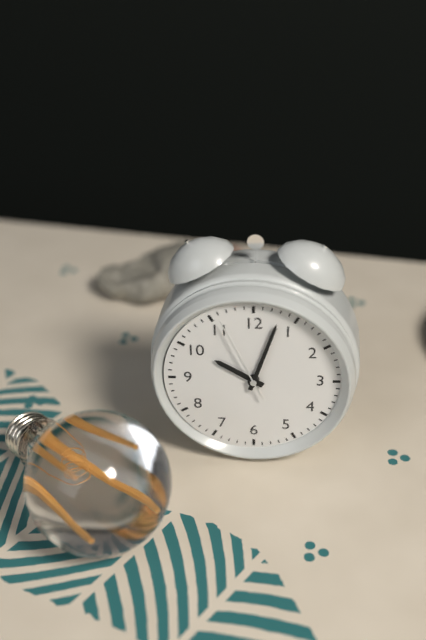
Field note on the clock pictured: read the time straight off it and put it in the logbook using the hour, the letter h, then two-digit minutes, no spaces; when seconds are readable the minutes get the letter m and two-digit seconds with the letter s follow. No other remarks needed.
10h03m56s
